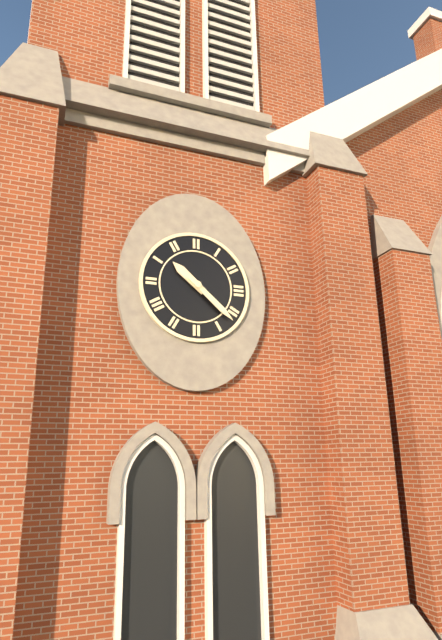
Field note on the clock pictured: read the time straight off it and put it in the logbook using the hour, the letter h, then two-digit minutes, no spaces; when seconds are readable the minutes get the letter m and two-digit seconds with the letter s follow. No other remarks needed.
10h22
